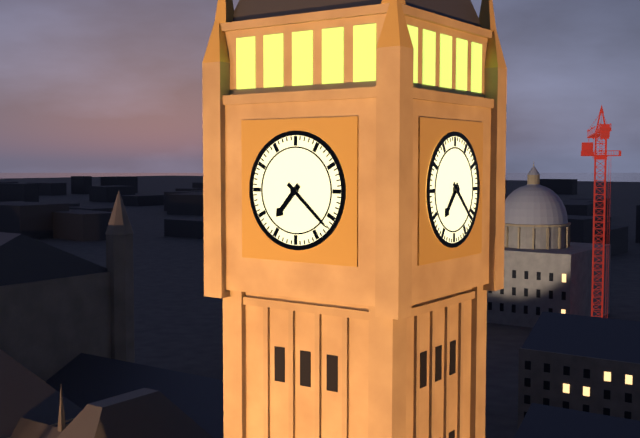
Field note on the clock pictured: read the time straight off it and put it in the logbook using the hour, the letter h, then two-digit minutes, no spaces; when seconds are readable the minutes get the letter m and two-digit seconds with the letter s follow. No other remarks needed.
7h22
